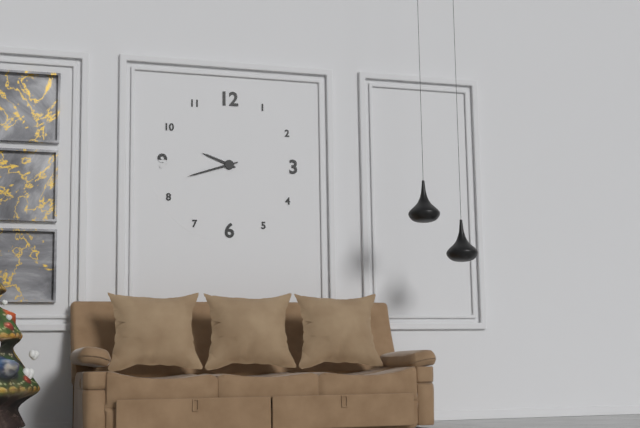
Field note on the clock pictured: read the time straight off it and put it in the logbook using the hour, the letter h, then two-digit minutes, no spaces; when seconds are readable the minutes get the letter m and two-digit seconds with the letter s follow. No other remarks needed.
9h42
